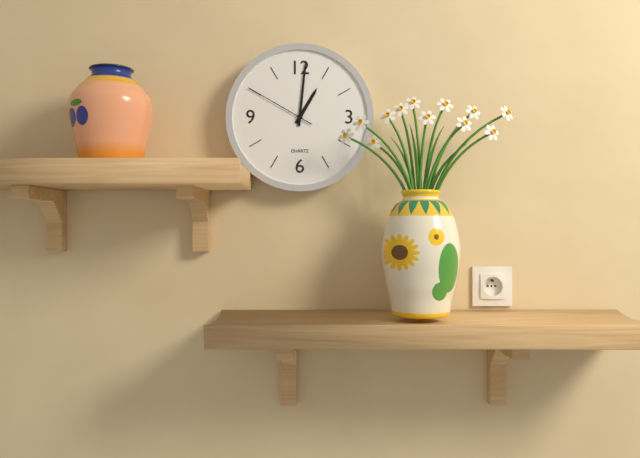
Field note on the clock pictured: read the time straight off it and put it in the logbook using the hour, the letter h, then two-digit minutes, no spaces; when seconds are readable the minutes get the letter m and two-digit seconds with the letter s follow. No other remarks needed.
1h01m50s
